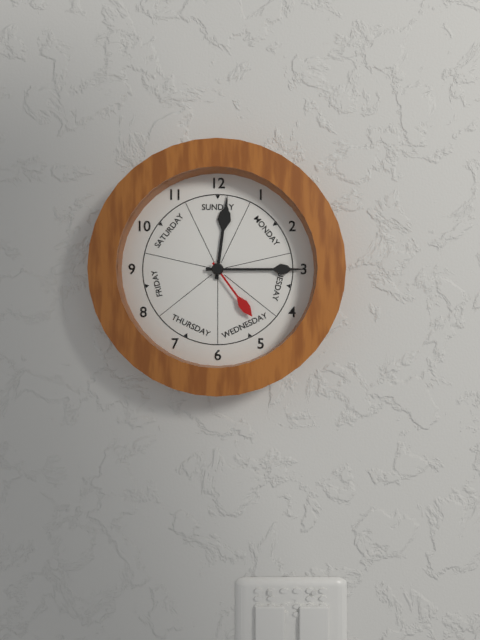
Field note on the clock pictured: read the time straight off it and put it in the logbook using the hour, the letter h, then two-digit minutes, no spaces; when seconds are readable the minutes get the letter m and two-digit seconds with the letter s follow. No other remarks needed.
12h15m24s
